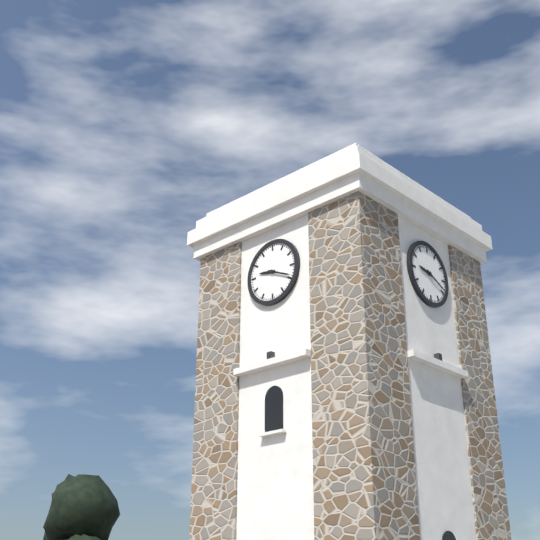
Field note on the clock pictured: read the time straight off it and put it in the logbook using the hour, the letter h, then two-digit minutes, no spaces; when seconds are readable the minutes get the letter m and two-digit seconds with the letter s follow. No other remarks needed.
9h19
